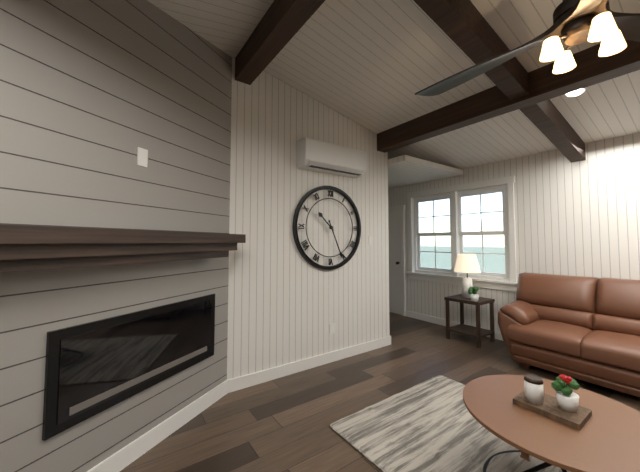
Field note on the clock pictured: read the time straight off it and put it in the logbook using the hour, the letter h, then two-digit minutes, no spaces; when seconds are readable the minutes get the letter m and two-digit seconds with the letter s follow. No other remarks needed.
10h26
